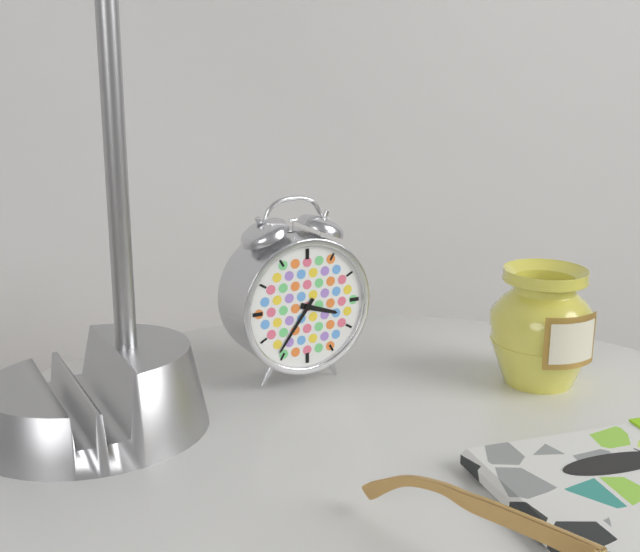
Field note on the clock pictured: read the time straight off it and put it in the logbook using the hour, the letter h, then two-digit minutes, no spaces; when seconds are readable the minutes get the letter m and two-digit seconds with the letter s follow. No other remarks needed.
3h36
